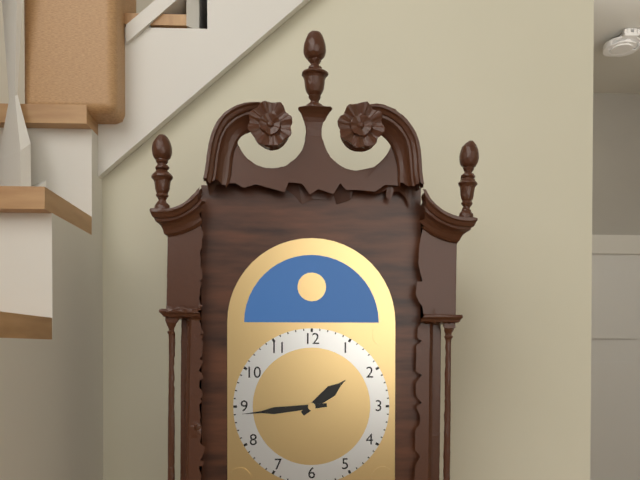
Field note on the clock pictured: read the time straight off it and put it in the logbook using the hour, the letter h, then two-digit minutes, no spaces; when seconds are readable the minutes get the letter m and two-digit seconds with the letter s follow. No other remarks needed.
1h44
